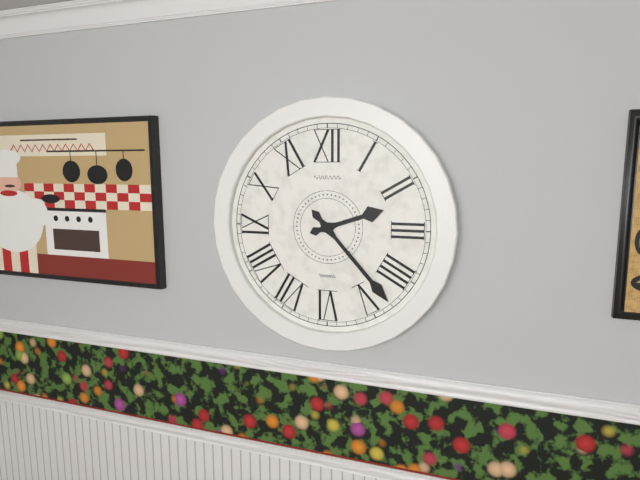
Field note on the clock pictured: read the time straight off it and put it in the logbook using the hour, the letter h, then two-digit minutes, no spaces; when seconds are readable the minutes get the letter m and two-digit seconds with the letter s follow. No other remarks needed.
2h23
